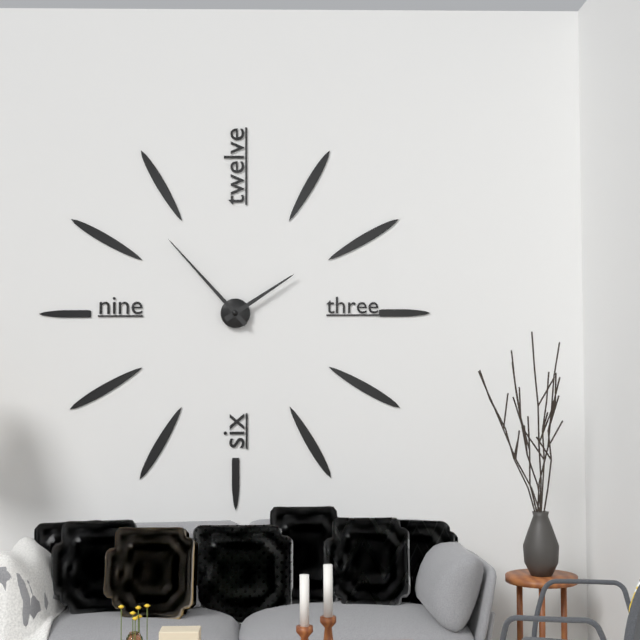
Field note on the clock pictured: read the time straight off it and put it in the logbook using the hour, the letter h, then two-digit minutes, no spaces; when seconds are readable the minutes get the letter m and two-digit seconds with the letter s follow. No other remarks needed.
1h53
